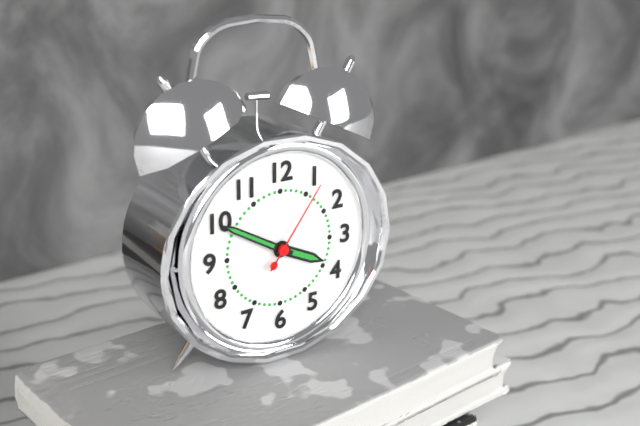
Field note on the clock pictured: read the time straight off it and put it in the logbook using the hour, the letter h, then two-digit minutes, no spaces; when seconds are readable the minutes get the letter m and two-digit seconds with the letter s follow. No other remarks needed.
3h50m06s
